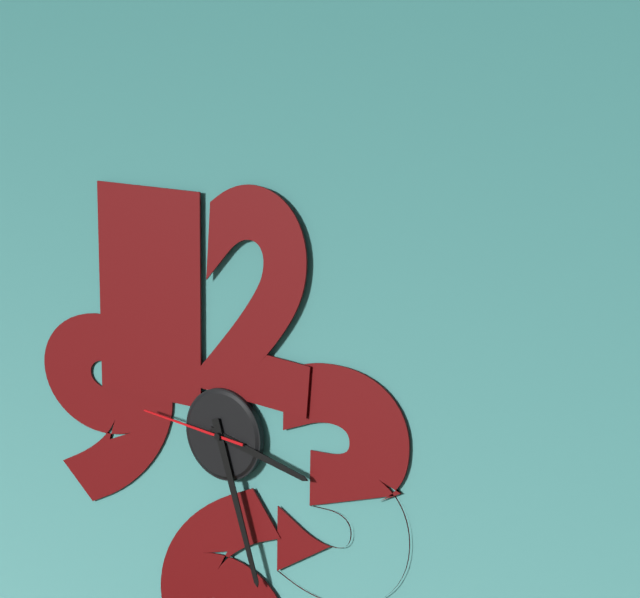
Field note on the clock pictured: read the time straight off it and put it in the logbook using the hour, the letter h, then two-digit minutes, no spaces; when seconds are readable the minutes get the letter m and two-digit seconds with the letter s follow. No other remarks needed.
3h27m46s
